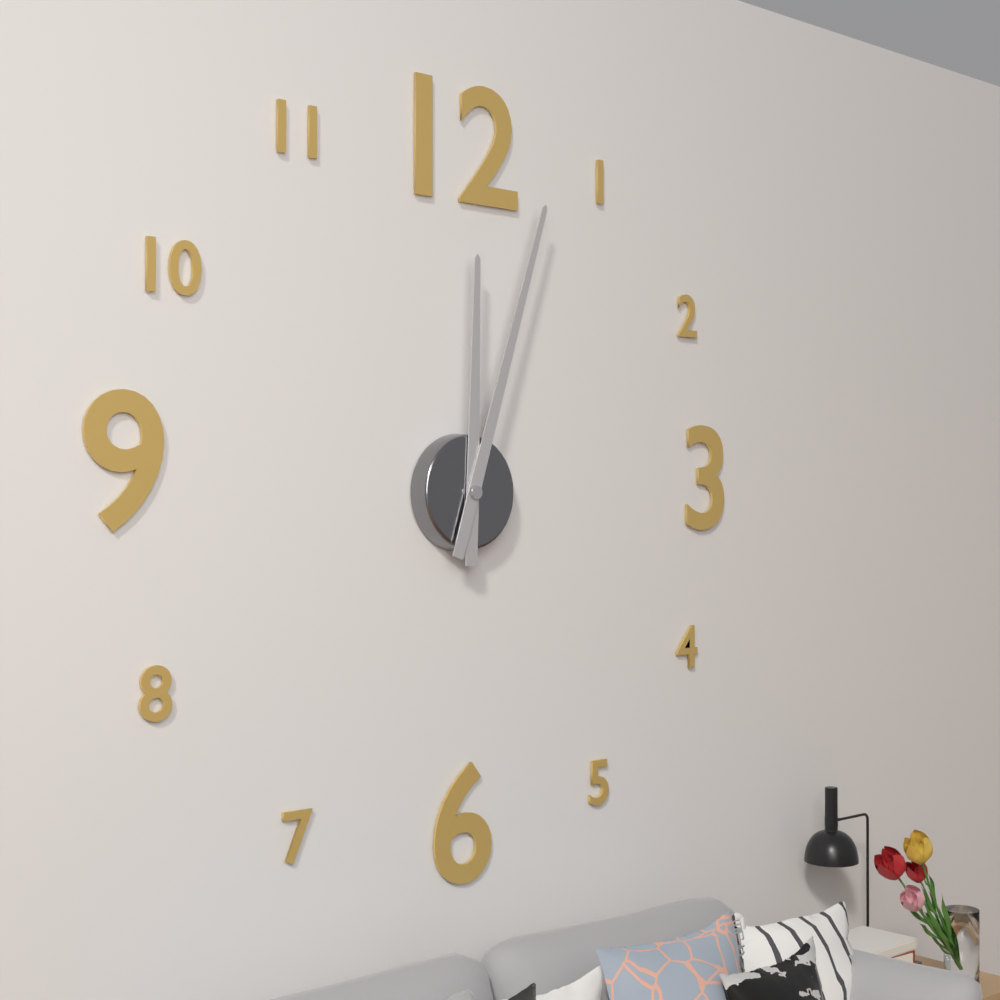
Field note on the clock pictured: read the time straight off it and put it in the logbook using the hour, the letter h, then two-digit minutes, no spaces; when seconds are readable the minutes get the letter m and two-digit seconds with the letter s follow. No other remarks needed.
12h03
